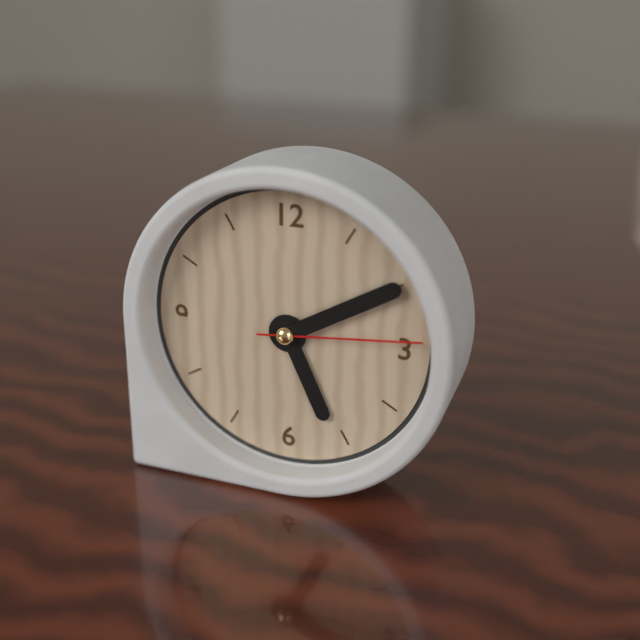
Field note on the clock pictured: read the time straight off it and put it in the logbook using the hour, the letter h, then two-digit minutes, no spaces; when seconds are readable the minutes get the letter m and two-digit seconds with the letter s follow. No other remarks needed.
5h10m14s
